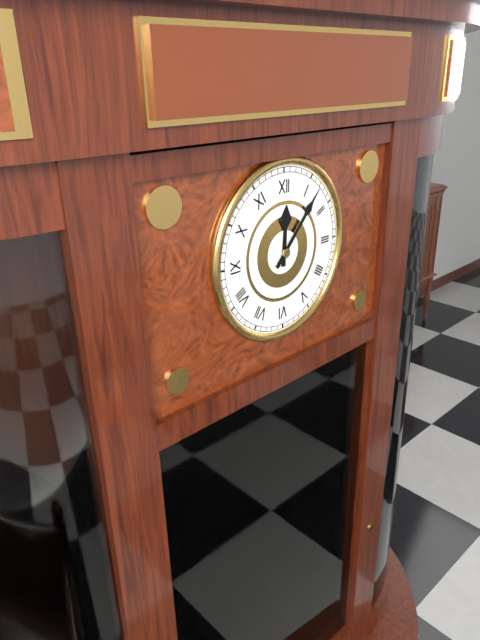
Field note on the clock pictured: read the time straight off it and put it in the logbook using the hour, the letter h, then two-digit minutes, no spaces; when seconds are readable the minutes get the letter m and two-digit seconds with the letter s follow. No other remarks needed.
12h07
